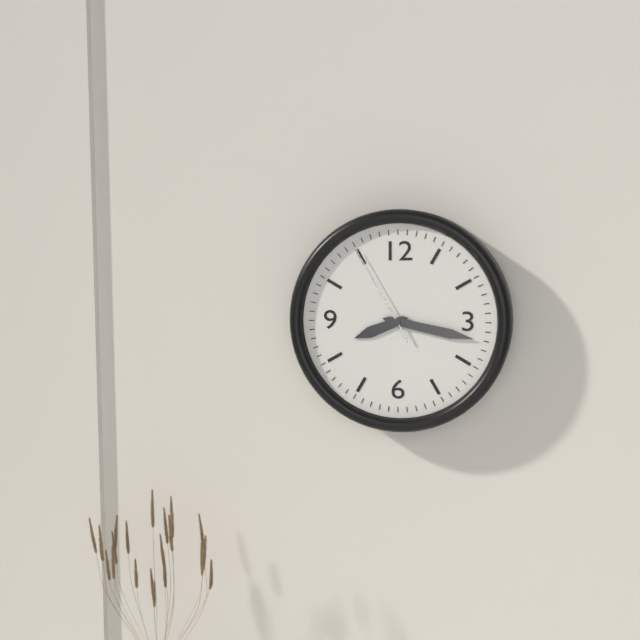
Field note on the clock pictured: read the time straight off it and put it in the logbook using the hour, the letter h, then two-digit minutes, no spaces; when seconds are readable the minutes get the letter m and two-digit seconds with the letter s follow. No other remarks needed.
8h17m55s
